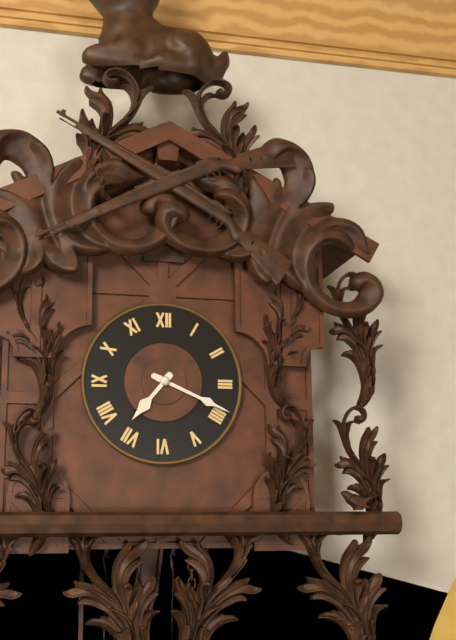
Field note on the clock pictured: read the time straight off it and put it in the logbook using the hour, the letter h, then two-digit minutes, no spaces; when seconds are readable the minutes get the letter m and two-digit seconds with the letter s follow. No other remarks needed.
7h19
